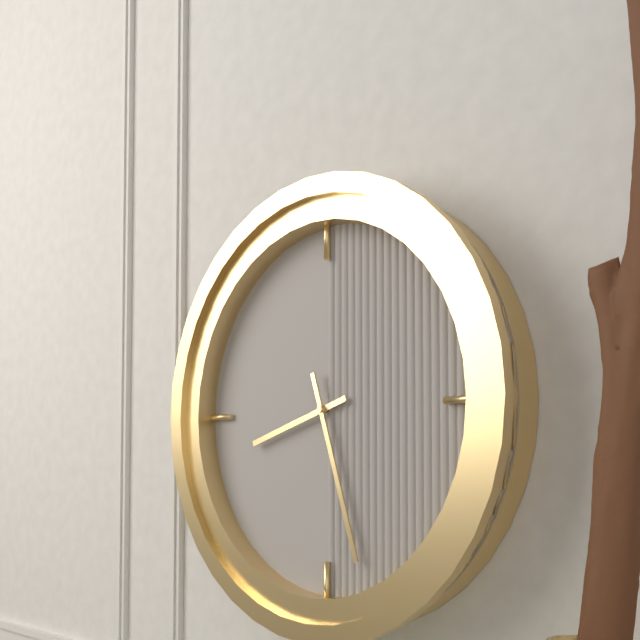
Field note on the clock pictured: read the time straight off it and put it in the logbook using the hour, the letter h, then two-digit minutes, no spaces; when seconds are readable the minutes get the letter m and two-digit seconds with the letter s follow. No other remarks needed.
8h27
